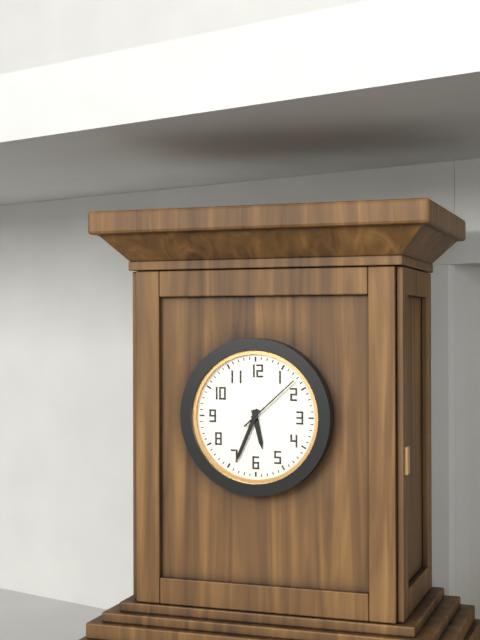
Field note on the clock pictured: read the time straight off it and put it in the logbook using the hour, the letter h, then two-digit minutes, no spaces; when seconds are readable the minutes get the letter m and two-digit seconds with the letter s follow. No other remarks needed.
5h34
